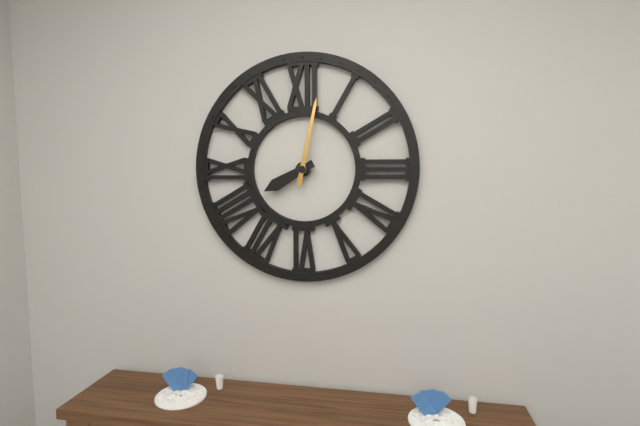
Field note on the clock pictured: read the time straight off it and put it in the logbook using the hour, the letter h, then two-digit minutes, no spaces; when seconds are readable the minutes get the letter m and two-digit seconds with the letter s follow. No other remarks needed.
8h02
